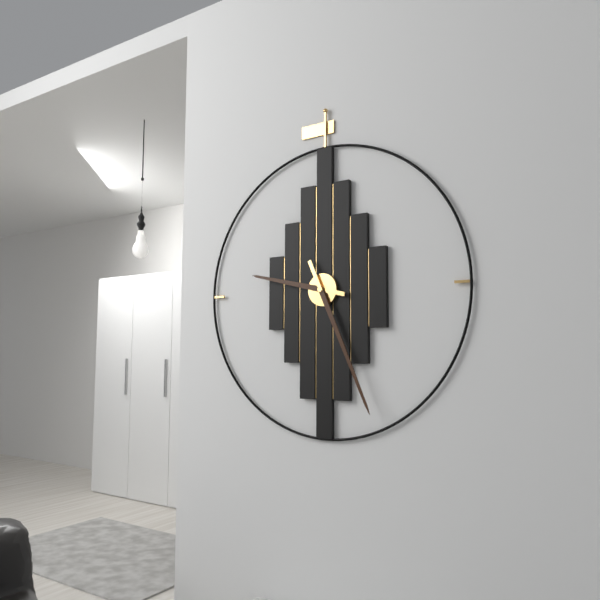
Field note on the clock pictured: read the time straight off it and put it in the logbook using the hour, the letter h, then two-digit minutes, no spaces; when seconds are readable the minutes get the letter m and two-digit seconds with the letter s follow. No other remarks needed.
9h26
